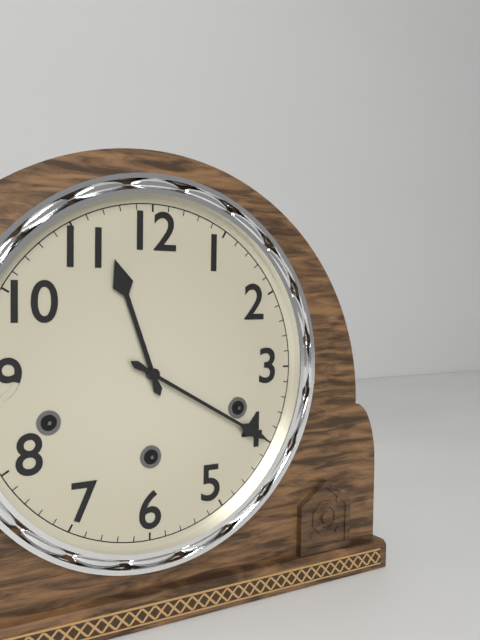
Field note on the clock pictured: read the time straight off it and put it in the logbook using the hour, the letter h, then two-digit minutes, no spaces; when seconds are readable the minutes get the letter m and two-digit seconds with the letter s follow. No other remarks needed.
11h20
